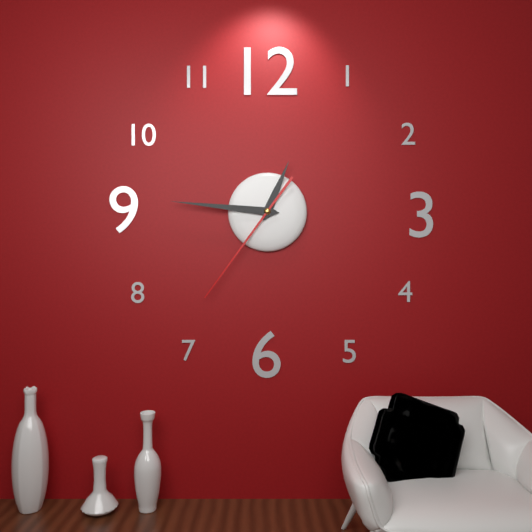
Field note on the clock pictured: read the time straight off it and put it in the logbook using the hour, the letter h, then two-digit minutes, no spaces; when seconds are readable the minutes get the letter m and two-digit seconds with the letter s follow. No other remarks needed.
12h46m36s
